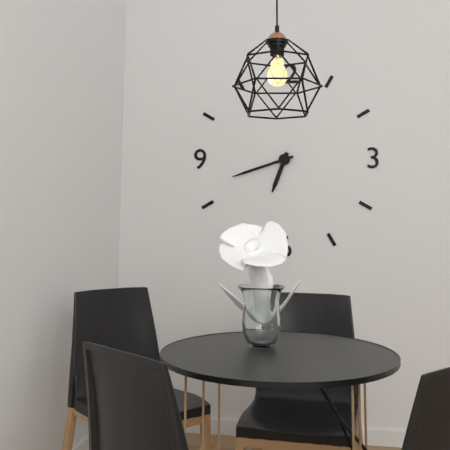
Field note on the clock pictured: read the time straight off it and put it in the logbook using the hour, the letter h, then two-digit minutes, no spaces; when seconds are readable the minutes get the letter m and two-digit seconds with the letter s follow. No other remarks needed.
6h42
